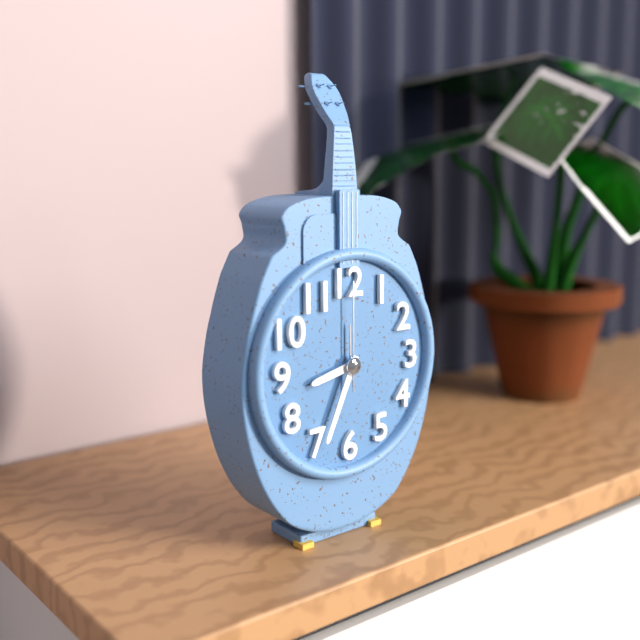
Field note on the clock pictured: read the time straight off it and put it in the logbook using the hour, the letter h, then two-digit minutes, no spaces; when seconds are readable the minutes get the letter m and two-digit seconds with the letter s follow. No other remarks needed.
8h34m00s
